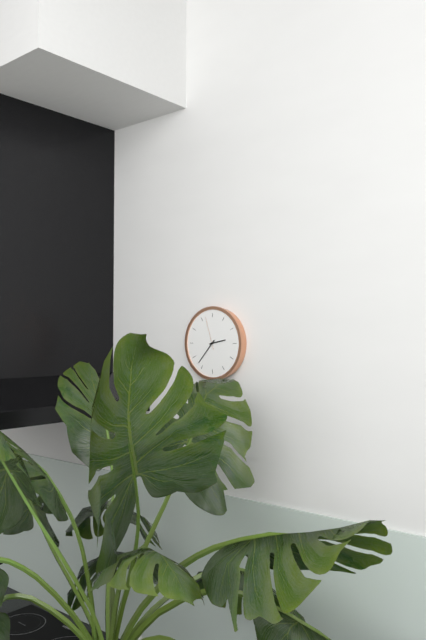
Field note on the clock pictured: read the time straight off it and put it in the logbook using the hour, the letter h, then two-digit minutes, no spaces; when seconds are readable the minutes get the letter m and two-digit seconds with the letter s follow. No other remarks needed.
2h37
